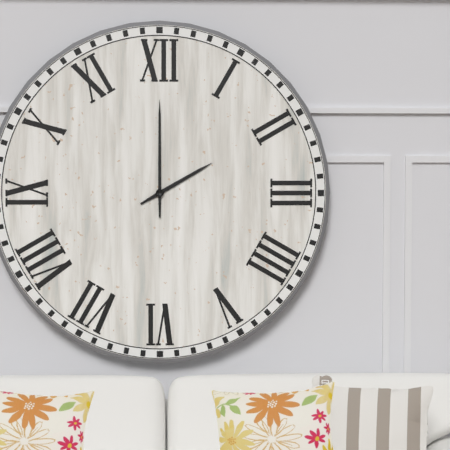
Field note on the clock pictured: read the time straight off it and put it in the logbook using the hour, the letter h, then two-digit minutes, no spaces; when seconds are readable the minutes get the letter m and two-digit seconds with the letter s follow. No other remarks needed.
2h00
